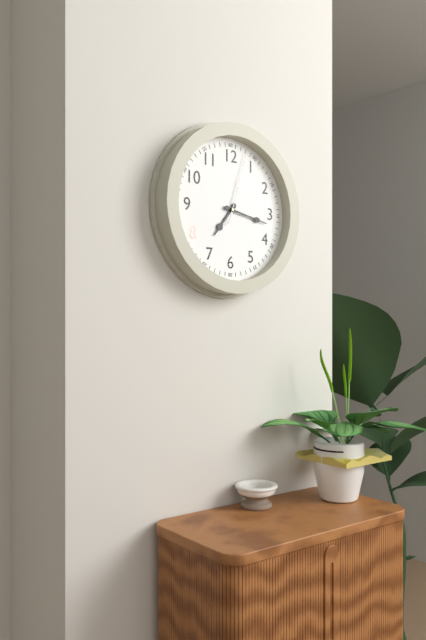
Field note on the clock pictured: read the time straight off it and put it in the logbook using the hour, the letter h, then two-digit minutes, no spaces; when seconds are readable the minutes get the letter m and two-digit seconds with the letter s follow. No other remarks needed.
7h17m03s
